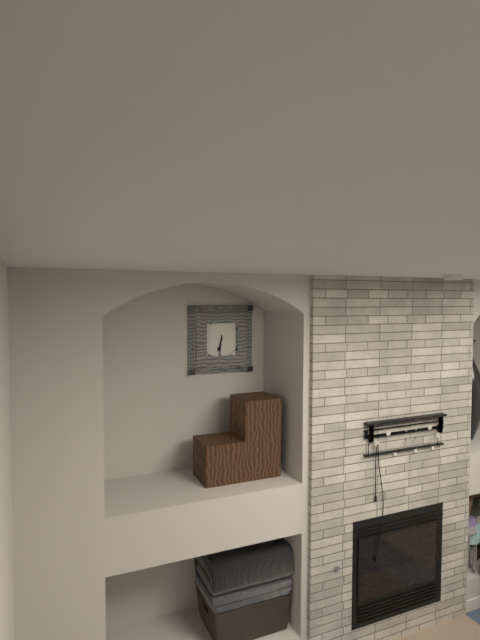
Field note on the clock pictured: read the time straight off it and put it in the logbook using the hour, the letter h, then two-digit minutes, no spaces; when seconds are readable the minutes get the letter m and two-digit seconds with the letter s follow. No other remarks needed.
6h31
